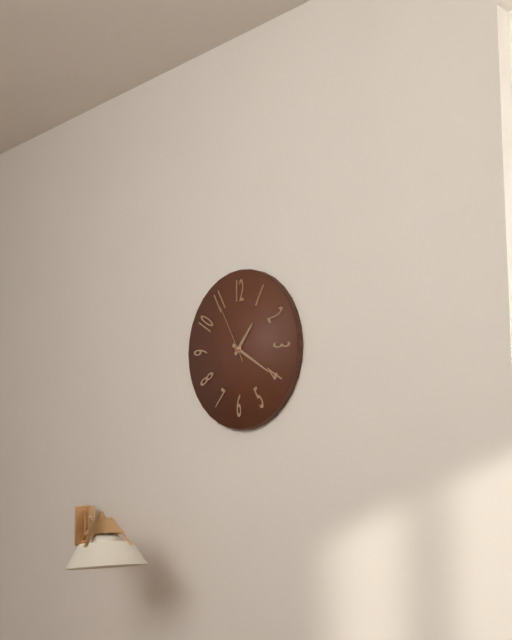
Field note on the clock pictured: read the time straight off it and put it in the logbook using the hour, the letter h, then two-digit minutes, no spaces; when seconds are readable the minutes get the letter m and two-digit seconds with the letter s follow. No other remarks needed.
1h20m55s
